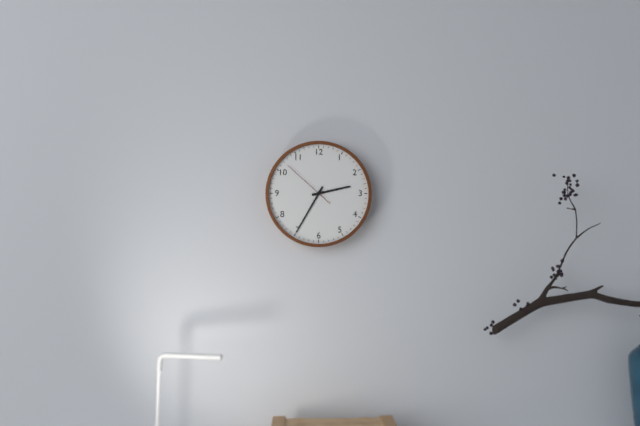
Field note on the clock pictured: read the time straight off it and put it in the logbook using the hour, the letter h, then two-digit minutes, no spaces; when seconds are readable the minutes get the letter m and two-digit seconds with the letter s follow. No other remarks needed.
2h35m52s
